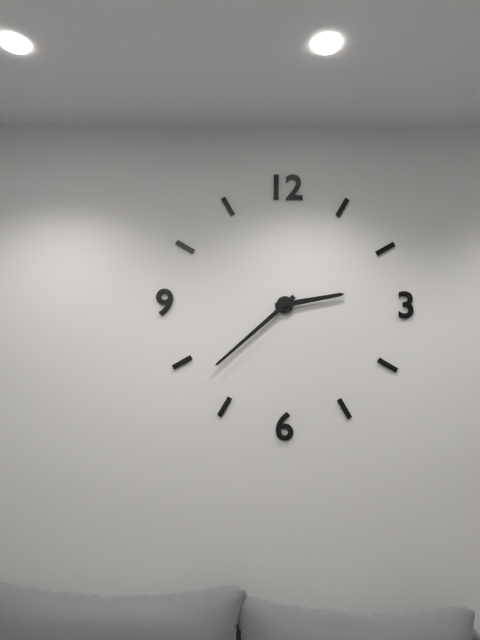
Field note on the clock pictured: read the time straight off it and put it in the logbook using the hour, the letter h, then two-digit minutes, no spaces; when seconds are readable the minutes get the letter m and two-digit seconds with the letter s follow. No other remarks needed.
2h38
